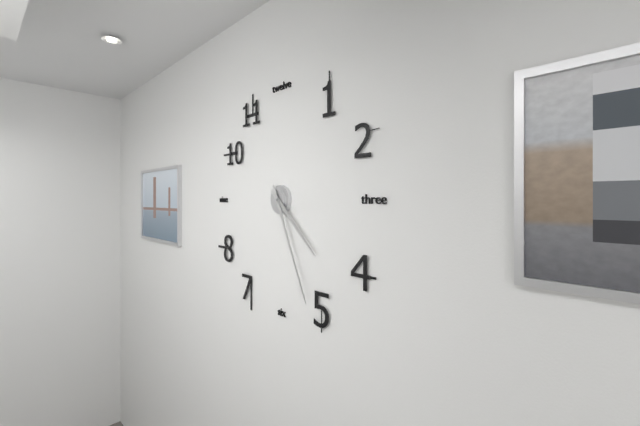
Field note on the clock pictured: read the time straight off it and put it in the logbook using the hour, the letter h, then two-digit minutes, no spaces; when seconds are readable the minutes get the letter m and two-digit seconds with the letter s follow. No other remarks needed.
4h26
